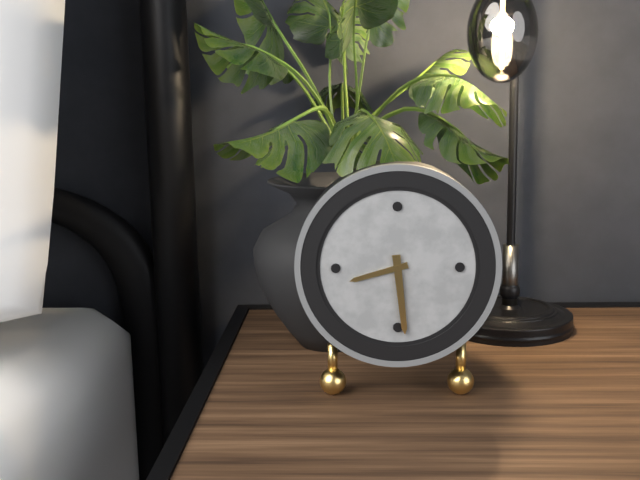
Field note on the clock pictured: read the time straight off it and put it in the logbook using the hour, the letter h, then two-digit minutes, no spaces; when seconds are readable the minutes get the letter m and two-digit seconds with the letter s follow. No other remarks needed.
8h29
